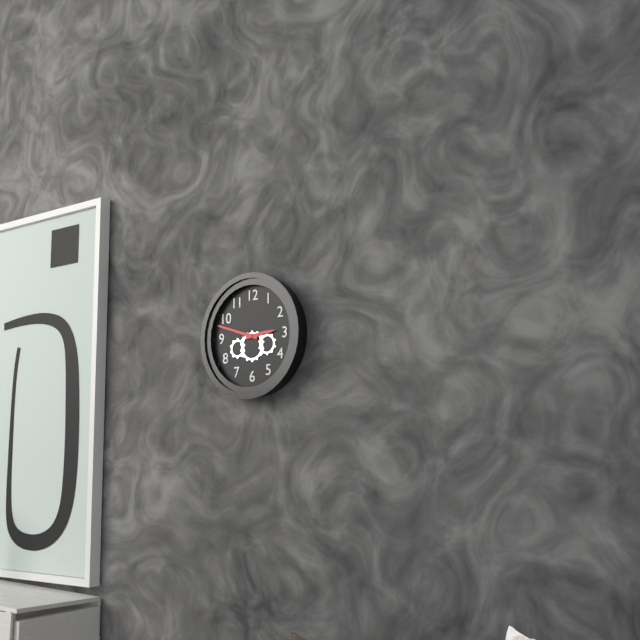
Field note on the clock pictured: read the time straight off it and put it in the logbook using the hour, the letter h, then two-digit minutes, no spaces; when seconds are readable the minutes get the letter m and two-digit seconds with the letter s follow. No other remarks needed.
2h48
